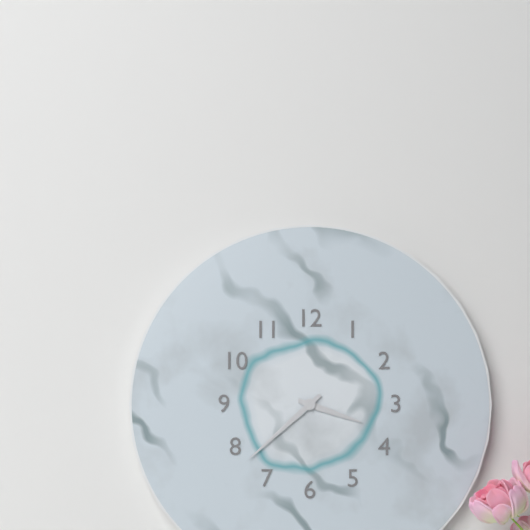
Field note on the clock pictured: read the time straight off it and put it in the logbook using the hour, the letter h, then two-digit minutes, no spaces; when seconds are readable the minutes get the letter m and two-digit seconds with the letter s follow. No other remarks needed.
3h38
